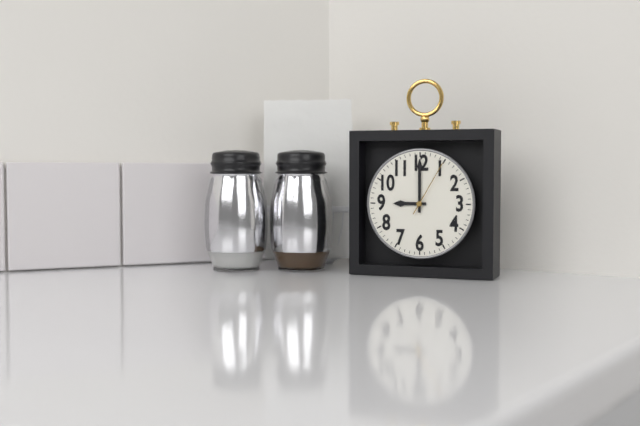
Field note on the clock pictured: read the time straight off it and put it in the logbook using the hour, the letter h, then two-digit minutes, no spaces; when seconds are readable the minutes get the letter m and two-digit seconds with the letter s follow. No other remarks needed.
9h00m05s
